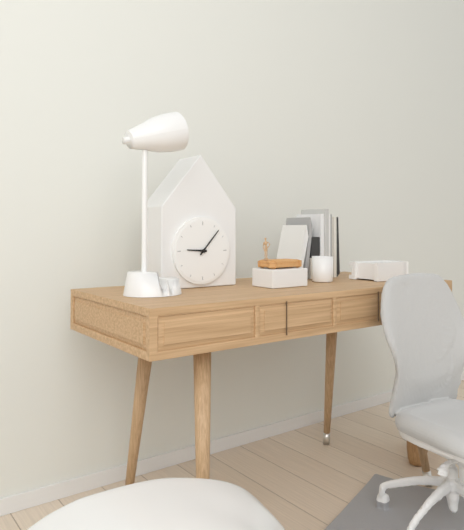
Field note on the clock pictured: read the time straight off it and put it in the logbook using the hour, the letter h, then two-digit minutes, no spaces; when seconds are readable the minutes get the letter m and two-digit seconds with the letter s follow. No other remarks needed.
9h07
